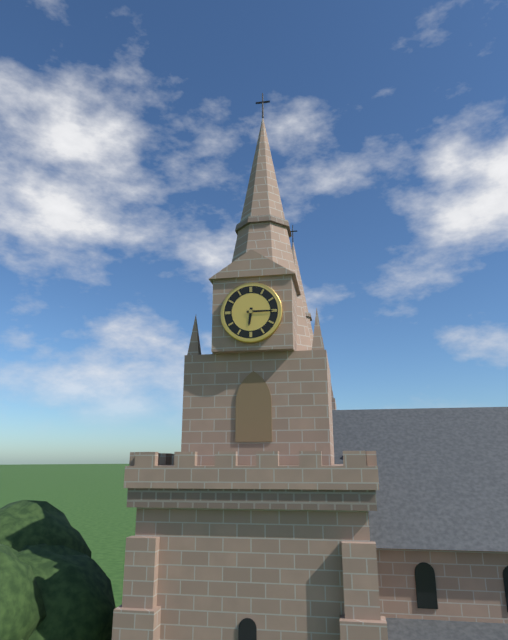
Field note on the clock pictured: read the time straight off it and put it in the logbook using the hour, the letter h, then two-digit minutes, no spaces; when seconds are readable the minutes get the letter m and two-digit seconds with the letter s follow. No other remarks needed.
6h15
